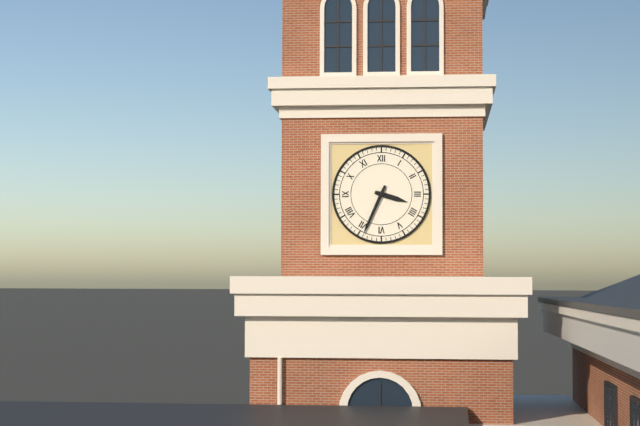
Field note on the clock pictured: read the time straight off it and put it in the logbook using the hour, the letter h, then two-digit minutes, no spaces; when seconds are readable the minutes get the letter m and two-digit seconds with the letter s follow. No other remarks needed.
3h34
